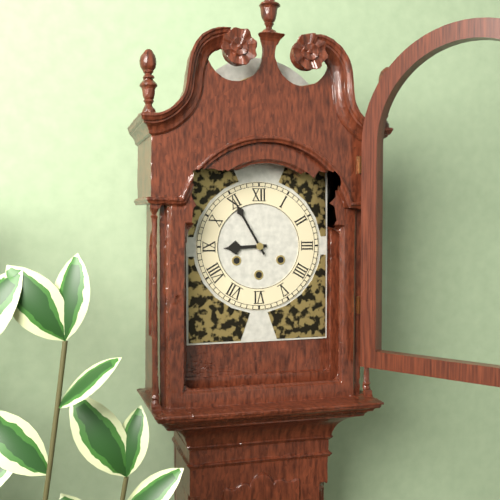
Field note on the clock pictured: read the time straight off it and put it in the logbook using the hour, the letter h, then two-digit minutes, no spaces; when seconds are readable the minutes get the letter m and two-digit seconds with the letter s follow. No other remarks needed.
8h55
